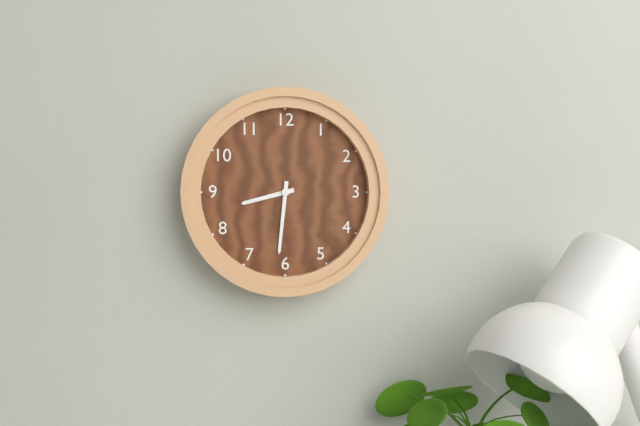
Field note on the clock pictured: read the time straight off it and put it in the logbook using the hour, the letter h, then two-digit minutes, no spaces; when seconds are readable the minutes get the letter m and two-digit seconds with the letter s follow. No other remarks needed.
8h31
